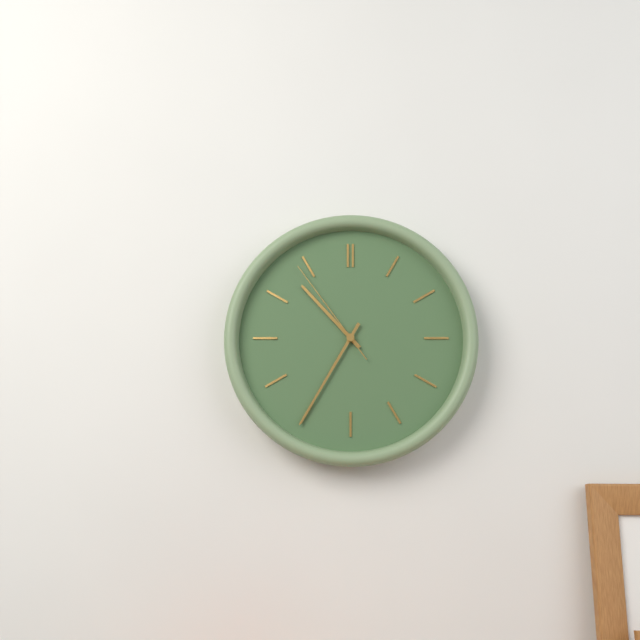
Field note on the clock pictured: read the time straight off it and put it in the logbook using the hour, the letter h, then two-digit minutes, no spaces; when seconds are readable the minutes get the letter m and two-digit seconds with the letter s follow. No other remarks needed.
10h35m54s
